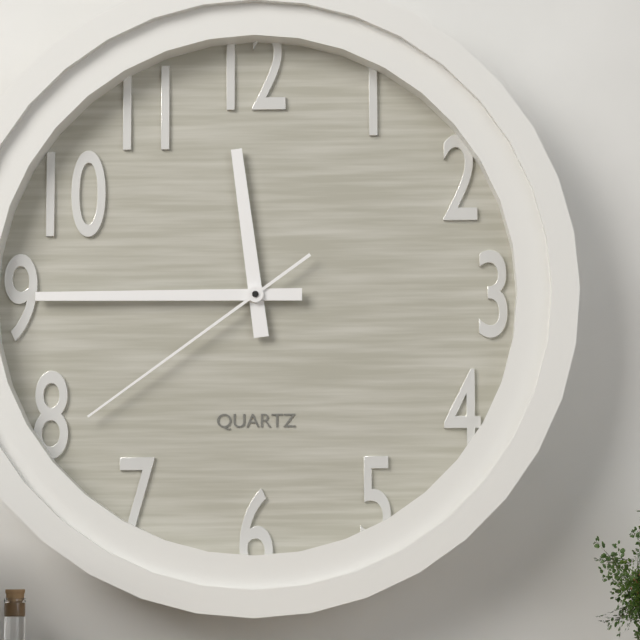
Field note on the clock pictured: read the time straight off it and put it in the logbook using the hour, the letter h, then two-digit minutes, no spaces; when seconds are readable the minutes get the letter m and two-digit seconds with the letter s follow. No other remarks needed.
11h45m39s
